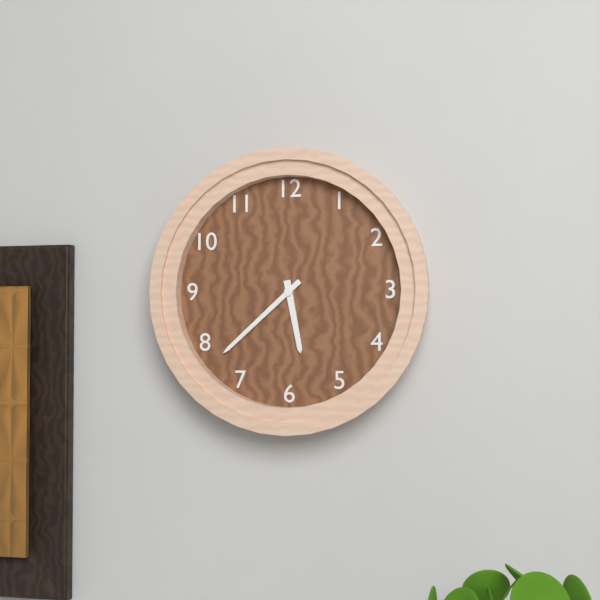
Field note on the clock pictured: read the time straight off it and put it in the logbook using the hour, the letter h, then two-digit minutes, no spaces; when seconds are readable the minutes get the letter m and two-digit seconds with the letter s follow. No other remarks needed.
5h38
